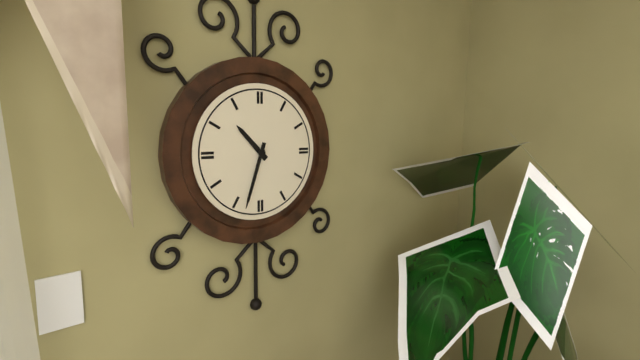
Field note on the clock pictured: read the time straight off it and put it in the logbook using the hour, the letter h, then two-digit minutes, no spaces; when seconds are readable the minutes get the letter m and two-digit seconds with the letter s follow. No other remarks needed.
10h33
